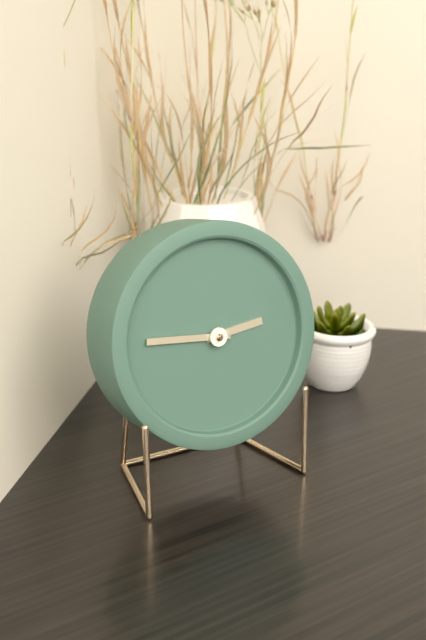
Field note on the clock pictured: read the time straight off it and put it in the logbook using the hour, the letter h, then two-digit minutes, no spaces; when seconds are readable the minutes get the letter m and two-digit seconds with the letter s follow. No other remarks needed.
2h46
